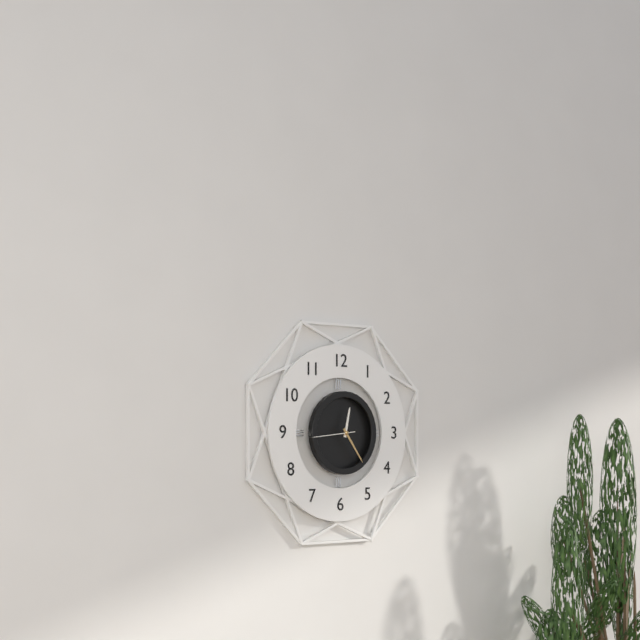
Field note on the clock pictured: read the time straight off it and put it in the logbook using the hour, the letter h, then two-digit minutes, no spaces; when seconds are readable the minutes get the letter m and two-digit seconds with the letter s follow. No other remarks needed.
12h24
